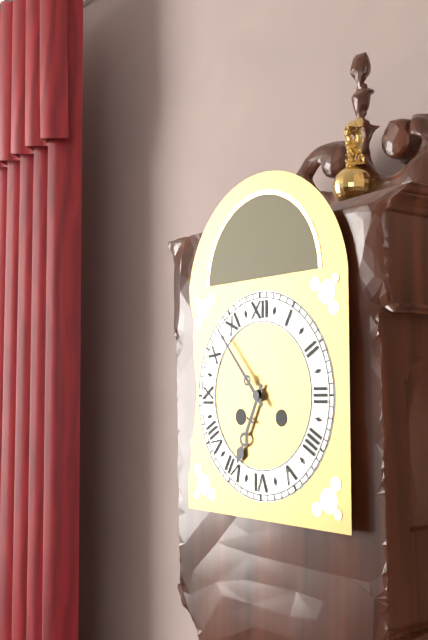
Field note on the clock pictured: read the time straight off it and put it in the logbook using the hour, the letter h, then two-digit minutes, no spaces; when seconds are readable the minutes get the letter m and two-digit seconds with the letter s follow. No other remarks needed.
6h53
